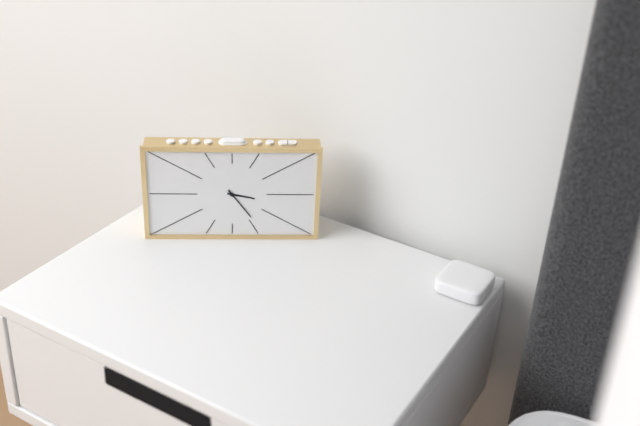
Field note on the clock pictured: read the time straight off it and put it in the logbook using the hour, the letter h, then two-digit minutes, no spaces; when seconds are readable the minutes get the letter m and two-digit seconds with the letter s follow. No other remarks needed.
3h24
